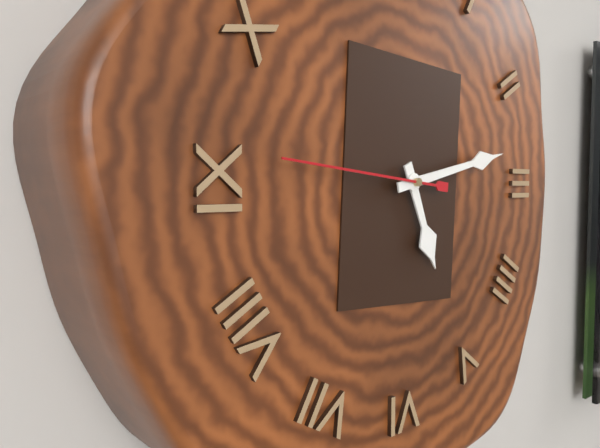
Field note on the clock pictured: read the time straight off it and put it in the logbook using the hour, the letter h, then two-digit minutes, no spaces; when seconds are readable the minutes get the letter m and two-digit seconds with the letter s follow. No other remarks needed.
5h13
